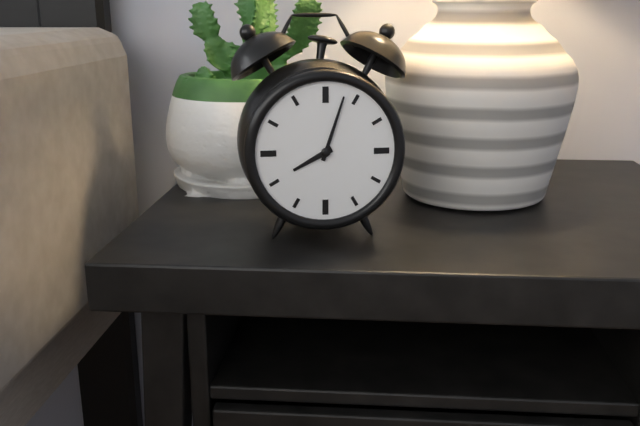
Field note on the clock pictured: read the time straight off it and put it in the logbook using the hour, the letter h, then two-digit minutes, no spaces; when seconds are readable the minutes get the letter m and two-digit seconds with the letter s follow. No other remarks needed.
8h03
